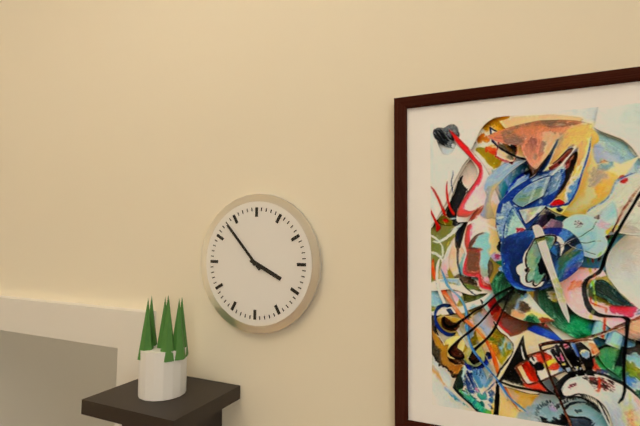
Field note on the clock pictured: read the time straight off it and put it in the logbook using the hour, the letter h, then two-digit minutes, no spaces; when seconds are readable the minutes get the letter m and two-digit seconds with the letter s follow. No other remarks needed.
3h53
